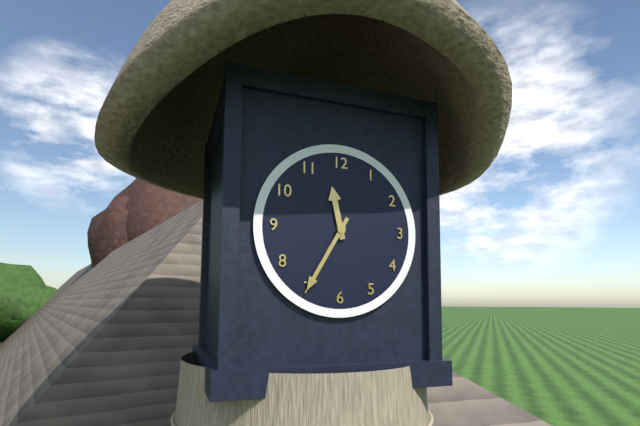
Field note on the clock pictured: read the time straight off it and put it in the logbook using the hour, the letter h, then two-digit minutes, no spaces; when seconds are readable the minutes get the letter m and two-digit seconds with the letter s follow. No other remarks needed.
11h35
